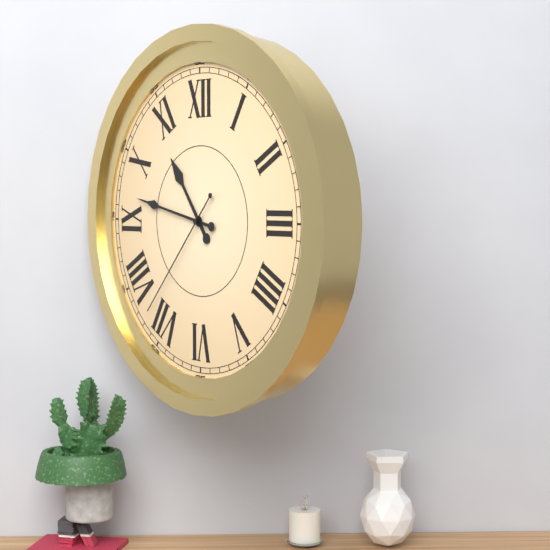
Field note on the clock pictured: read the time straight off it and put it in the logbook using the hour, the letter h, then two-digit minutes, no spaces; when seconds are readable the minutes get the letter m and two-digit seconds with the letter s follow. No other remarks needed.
10h47m37s
